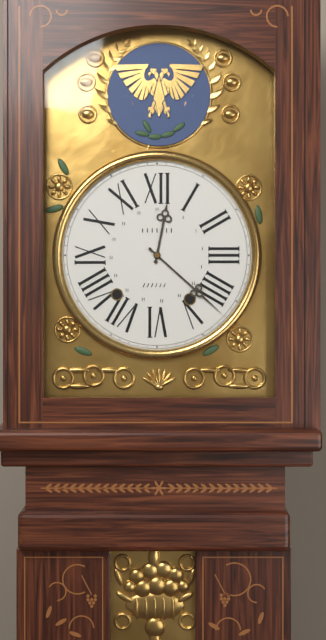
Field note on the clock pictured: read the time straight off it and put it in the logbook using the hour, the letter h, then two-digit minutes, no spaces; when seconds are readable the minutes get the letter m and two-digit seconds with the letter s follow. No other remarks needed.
12h22
